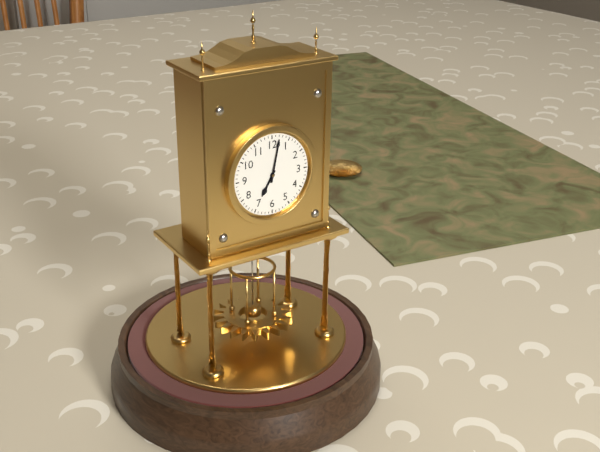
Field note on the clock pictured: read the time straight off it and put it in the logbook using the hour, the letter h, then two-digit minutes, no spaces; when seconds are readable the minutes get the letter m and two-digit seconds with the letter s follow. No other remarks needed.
7h02
